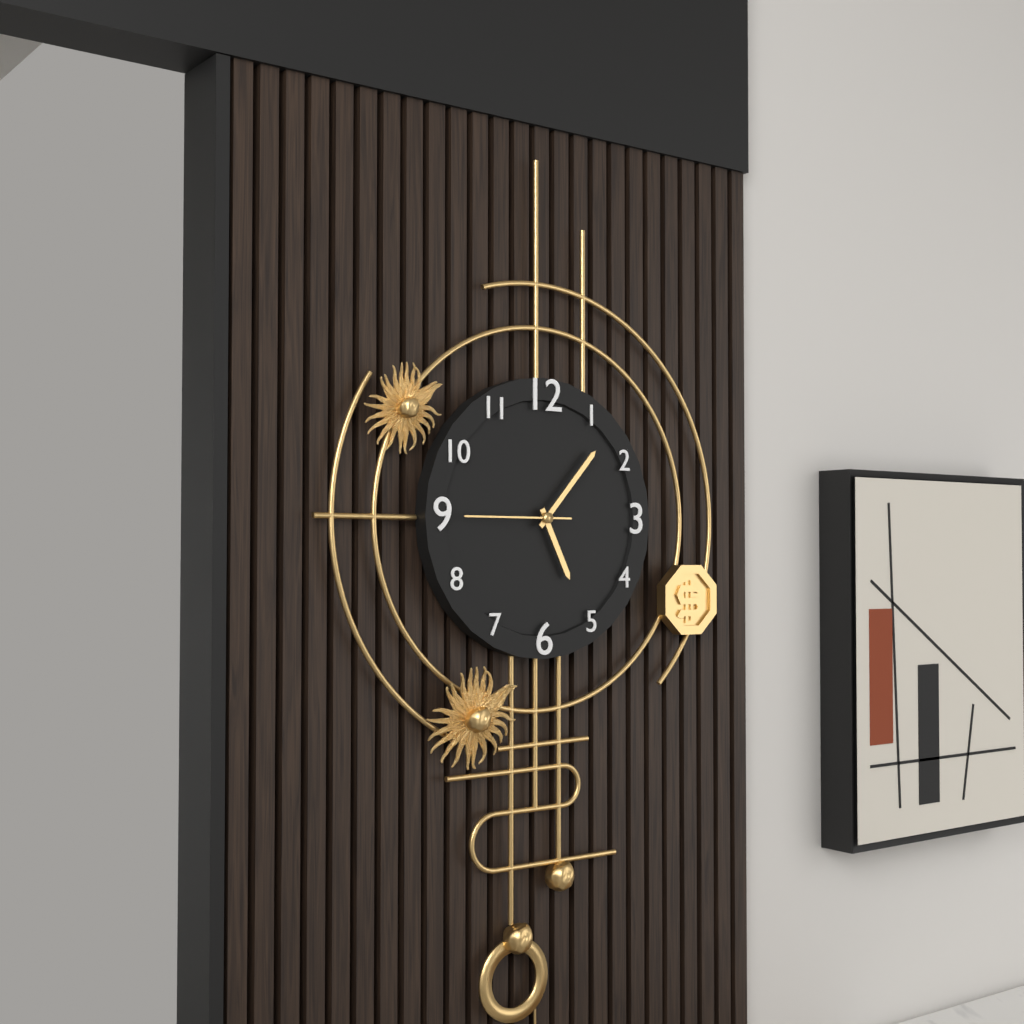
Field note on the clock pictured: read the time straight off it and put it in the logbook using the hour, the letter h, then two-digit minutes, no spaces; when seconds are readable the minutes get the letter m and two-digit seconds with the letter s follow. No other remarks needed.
5h07m45s
